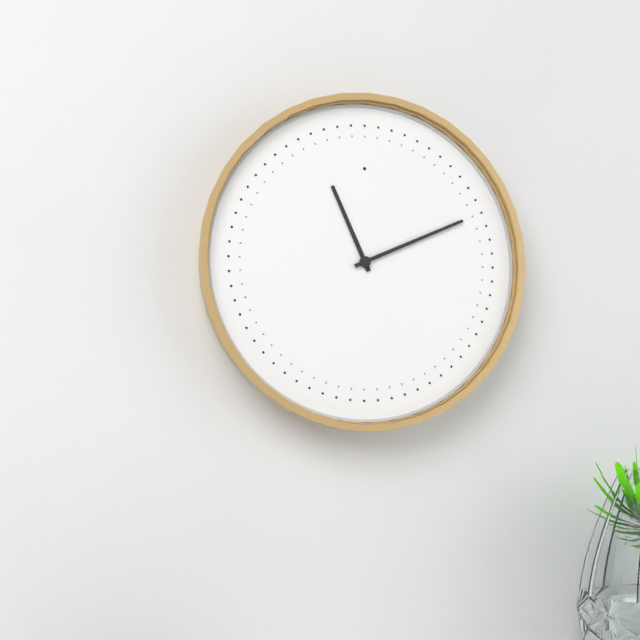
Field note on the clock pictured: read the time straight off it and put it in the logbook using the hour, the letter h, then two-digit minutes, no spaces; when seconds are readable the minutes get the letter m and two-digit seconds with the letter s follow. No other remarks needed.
11h11
